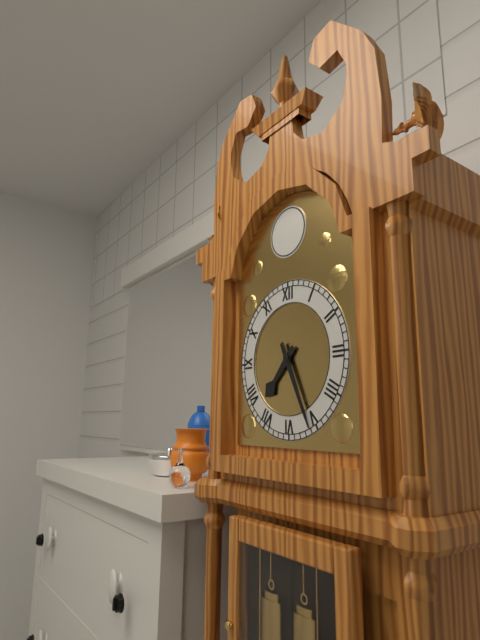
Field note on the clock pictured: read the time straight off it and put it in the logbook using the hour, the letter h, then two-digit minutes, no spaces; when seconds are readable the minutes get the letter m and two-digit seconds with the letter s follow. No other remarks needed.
7h26
